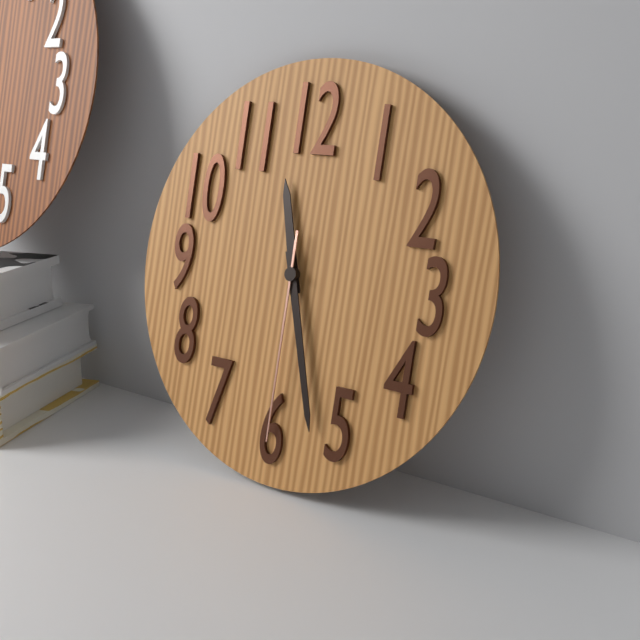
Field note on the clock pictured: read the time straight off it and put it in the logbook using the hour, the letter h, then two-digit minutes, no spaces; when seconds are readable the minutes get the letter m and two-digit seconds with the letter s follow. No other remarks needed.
11h27m30s
